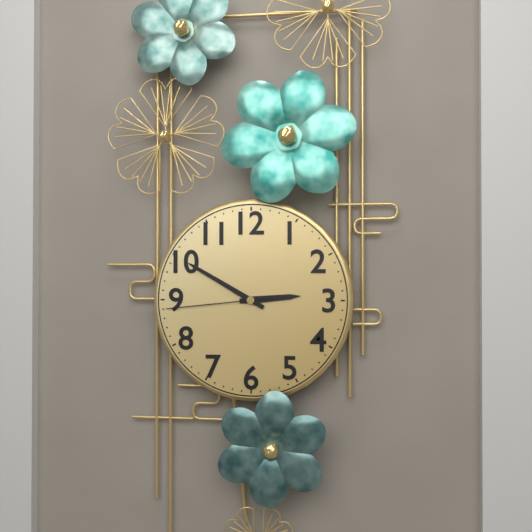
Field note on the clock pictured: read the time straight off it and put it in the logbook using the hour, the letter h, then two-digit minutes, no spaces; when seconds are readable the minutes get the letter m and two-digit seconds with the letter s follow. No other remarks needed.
2h50m44s
